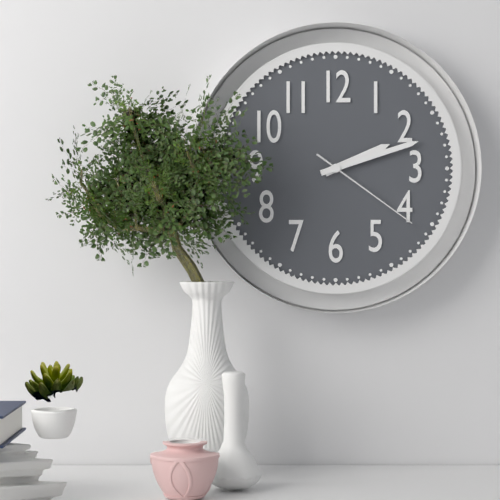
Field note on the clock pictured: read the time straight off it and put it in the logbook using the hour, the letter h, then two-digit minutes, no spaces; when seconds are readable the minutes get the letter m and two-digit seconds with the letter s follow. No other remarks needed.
2h12m21s
